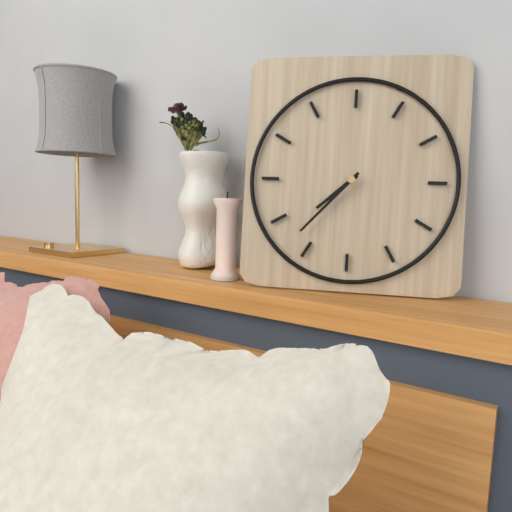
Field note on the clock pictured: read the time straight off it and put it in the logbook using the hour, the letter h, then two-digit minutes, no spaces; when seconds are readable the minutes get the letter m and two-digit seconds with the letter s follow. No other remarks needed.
7h37
